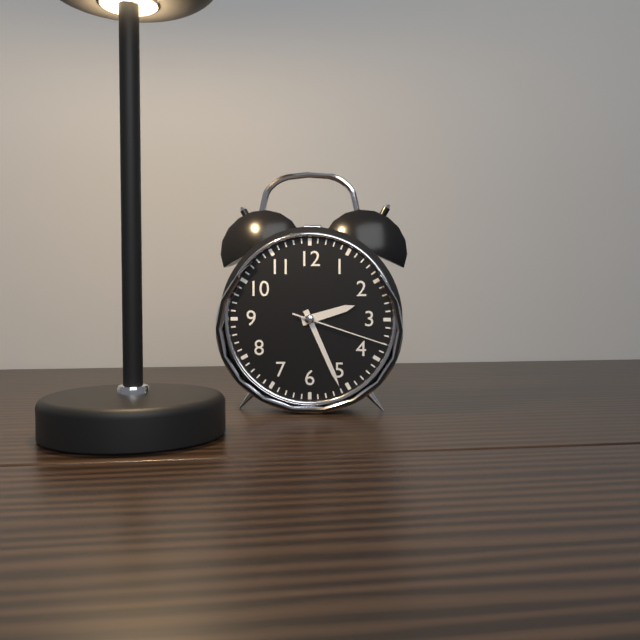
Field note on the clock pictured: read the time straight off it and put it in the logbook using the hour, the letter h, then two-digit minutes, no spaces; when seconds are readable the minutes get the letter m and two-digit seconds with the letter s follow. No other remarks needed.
2h26m18s
